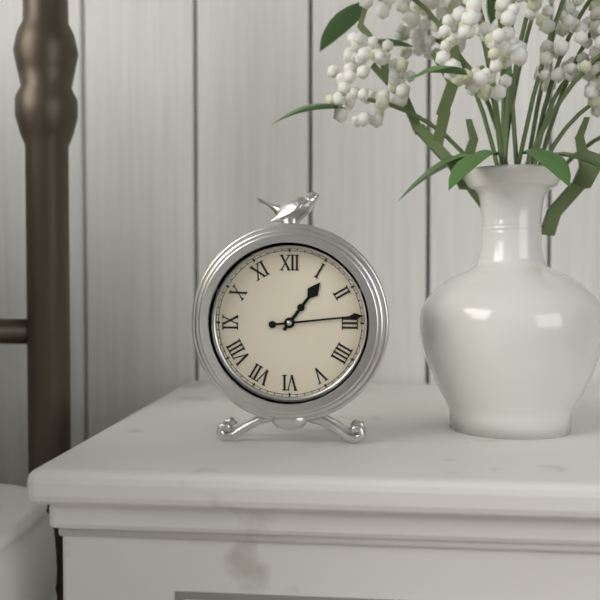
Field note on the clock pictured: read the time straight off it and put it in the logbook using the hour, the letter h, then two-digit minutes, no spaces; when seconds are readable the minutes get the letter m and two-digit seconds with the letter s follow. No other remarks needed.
1h14
